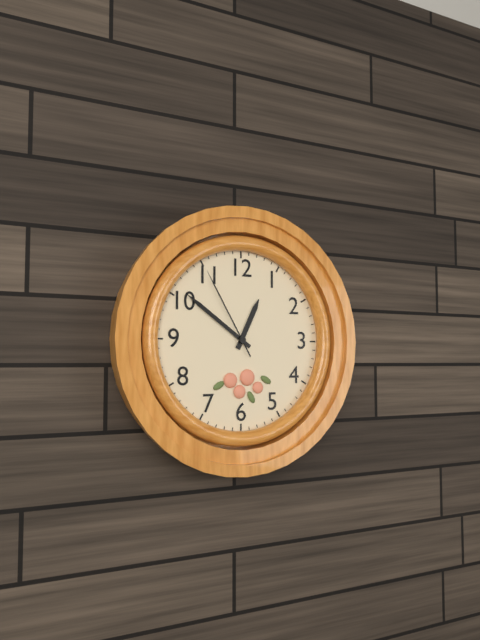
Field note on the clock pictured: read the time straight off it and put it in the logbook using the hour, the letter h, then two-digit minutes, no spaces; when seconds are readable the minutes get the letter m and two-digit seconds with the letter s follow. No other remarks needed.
12h51m55s
